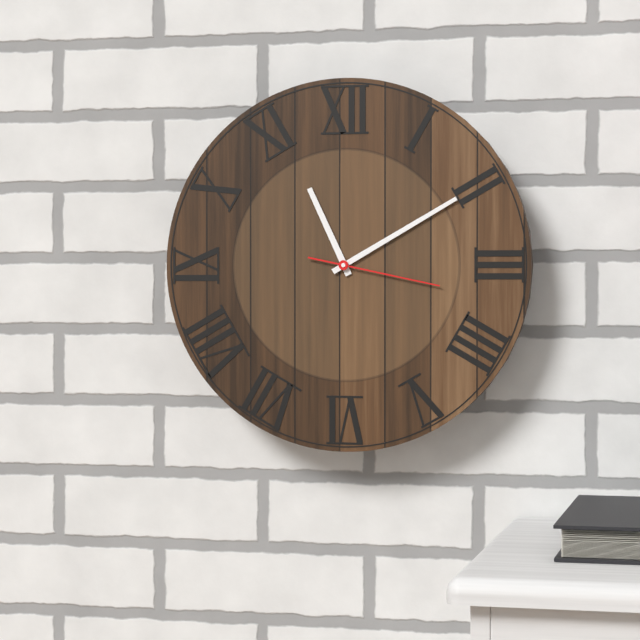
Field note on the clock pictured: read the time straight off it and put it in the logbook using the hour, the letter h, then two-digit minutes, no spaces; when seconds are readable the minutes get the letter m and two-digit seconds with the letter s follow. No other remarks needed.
11h10m17s
